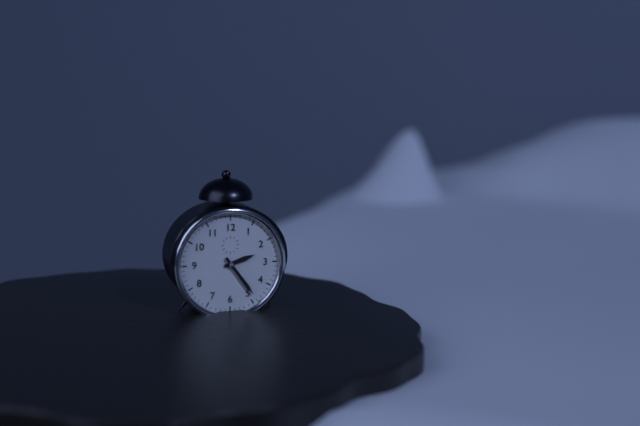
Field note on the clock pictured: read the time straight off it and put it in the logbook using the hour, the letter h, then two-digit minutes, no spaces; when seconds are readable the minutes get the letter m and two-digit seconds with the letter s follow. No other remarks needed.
2h24
